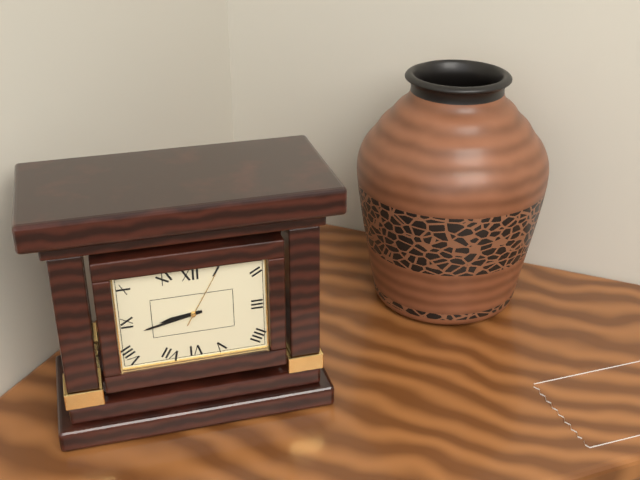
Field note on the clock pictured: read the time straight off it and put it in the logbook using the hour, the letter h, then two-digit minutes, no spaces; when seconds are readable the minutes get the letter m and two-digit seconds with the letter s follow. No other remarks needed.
8h43m05s
